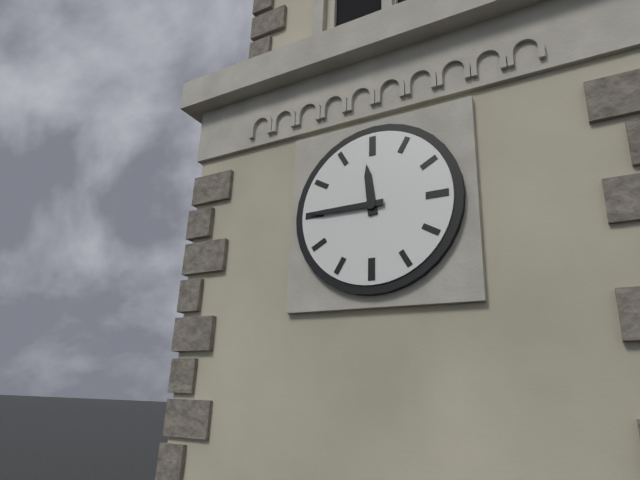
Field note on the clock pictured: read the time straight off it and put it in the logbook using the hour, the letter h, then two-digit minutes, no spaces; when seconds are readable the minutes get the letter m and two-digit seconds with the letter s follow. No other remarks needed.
11h45
